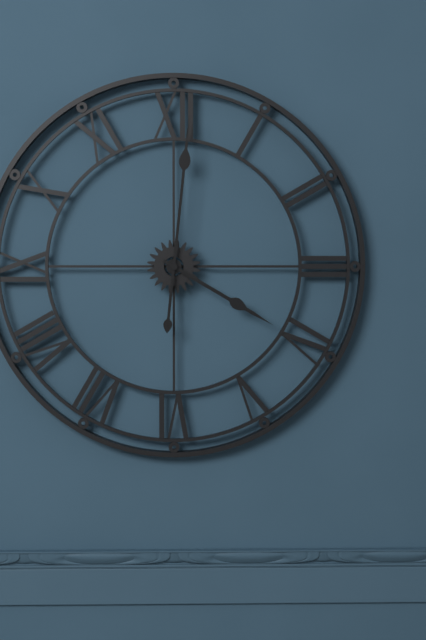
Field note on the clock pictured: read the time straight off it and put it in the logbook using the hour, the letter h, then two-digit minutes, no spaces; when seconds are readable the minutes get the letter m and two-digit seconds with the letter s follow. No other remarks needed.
4h01
